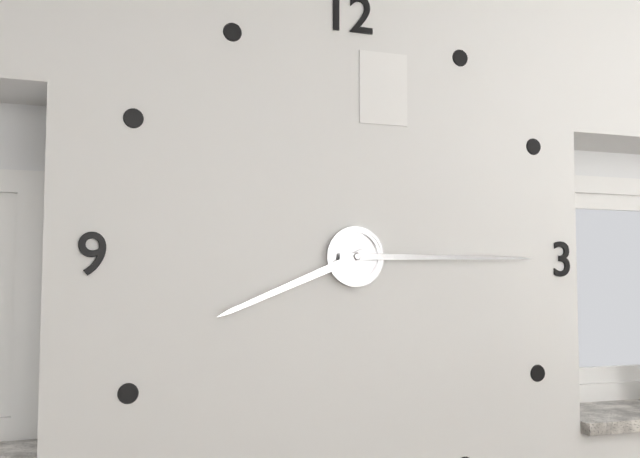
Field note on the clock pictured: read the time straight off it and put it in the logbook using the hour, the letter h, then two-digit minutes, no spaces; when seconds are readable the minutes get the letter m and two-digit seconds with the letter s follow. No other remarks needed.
8h15
